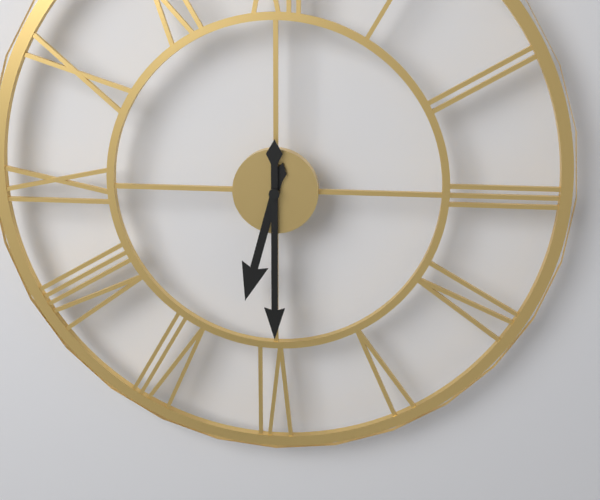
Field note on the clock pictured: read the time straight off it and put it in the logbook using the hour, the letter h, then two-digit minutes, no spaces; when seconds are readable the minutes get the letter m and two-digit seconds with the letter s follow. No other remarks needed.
6h30
